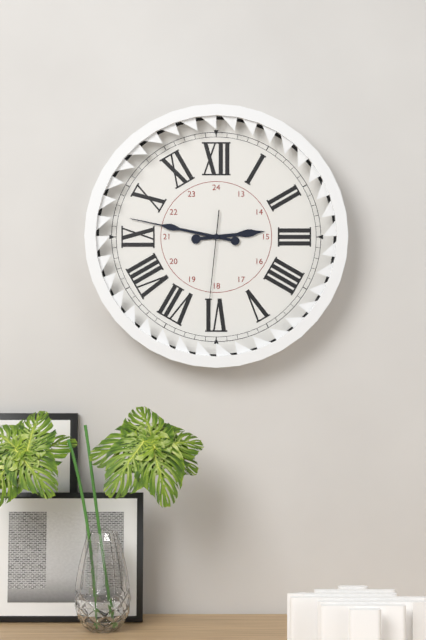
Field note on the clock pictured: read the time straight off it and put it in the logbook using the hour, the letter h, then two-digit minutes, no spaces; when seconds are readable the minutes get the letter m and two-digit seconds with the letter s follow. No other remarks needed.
2h47m31s
